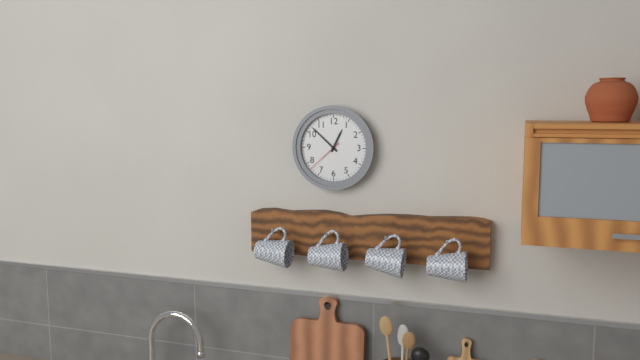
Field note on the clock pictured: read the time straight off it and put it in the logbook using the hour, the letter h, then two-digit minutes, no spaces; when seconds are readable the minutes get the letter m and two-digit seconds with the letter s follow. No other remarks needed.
12h52
